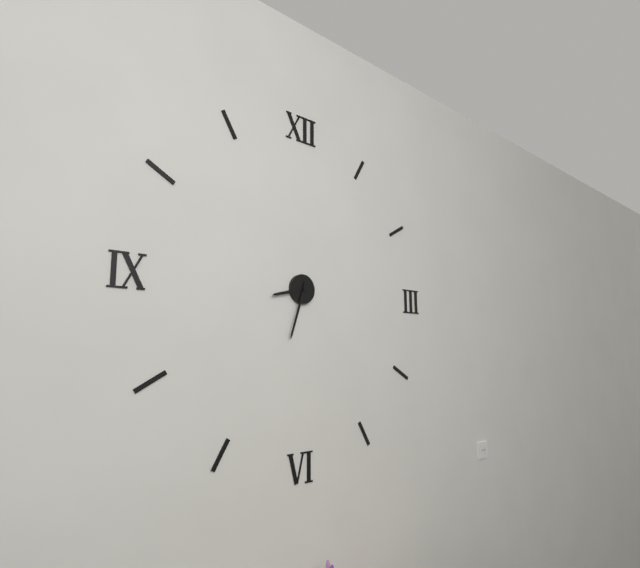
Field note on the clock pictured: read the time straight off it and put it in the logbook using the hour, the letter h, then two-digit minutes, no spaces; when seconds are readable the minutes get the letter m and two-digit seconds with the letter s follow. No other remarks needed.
8h33
